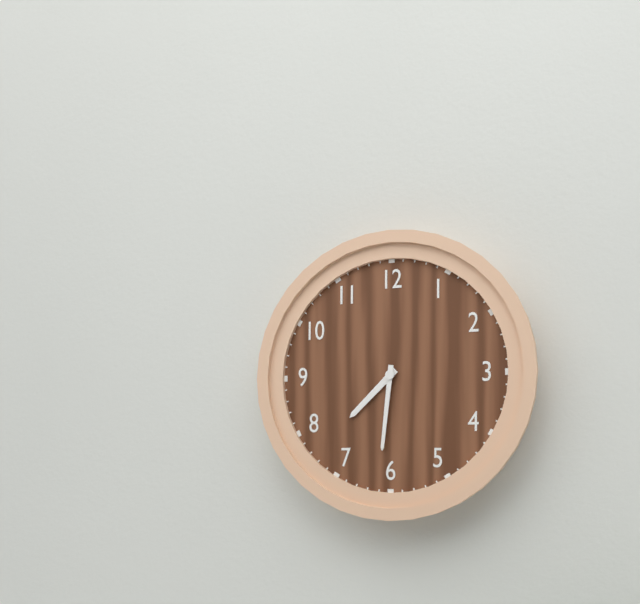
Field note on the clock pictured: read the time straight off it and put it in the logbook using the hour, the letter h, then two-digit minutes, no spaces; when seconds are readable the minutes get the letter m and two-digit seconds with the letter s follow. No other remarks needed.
7h31
